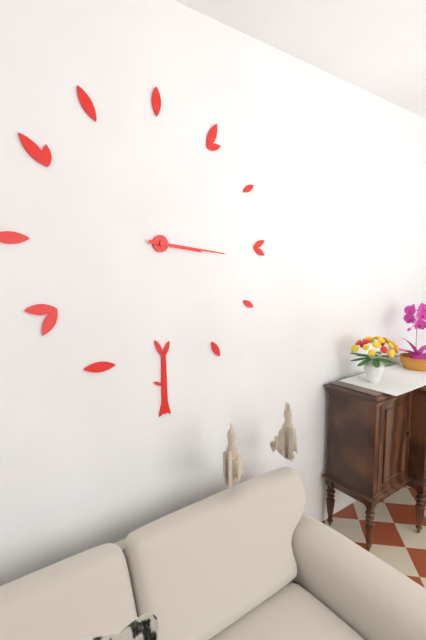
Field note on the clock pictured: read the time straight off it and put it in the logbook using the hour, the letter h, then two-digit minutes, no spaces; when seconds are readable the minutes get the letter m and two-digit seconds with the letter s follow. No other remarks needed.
3h16
